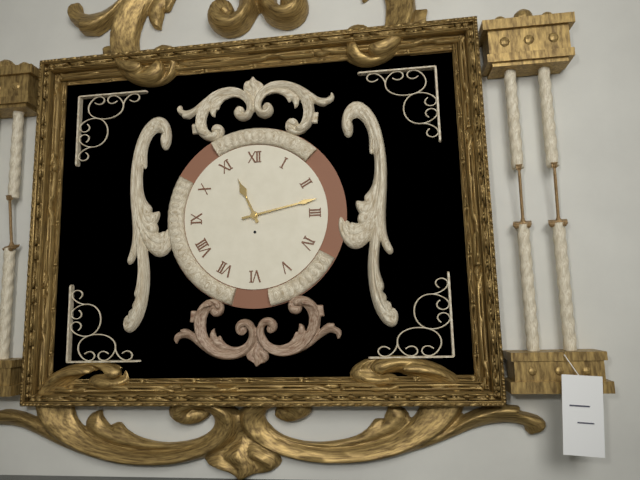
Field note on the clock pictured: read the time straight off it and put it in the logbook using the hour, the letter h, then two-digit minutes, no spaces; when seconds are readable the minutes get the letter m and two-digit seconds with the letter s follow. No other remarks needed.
11h13
